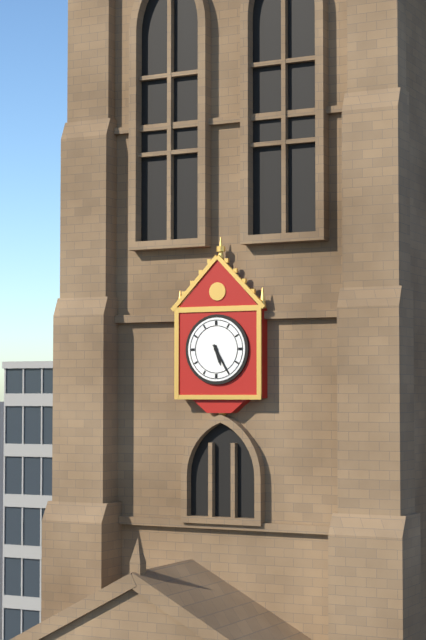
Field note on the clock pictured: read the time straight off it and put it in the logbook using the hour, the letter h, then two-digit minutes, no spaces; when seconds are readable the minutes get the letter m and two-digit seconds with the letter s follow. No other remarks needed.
5h25
